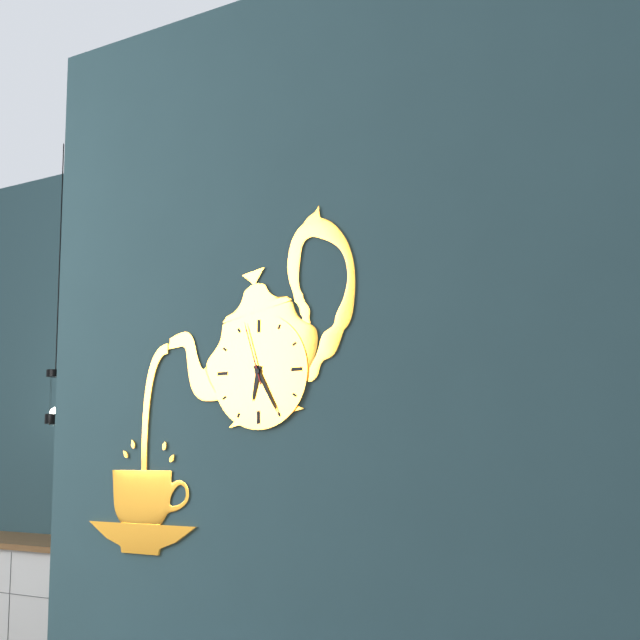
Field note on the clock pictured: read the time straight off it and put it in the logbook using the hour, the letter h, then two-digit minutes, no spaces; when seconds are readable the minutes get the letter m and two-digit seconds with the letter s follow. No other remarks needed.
6h25m57s
